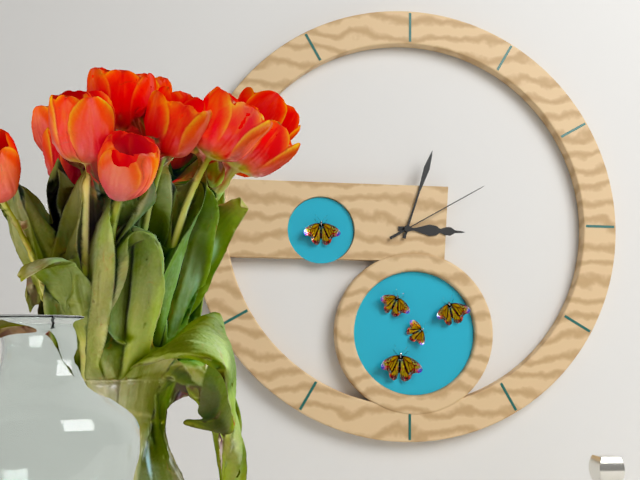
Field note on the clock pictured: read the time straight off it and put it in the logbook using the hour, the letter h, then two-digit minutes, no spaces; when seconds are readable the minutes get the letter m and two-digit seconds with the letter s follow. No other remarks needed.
3h03m10s
